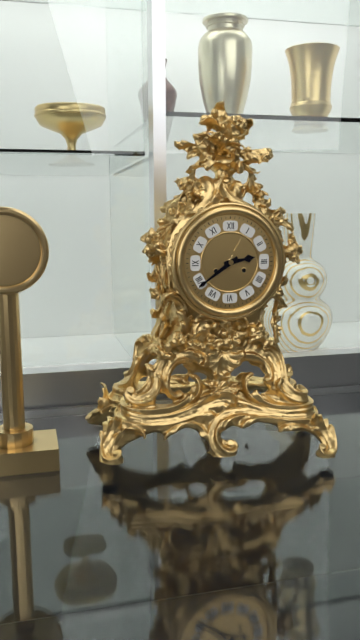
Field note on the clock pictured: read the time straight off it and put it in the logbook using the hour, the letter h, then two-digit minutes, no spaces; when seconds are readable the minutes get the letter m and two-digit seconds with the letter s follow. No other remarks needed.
2h39
